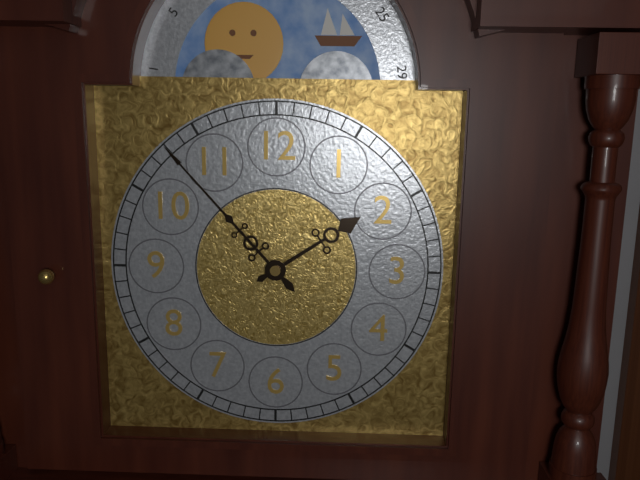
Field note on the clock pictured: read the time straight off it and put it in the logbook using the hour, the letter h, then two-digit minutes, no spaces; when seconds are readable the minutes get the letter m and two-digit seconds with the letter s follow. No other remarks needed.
1h53
